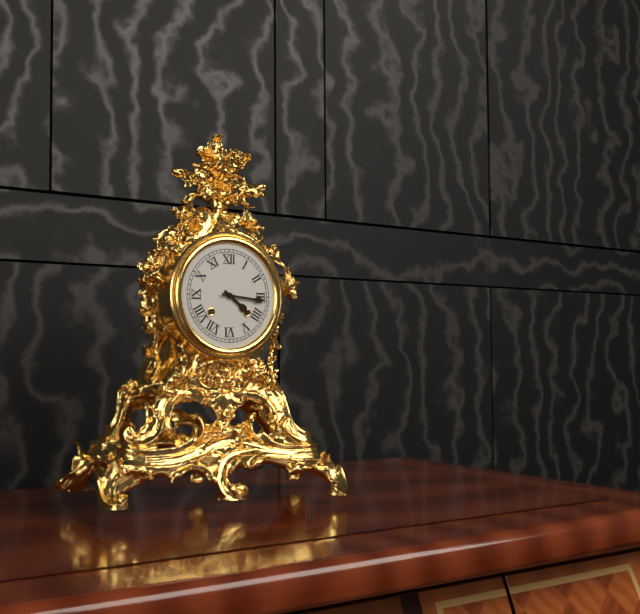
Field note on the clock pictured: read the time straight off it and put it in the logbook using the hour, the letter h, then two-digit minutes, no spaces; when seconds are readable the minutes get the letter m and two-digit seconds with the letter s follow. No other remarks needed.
4h16
